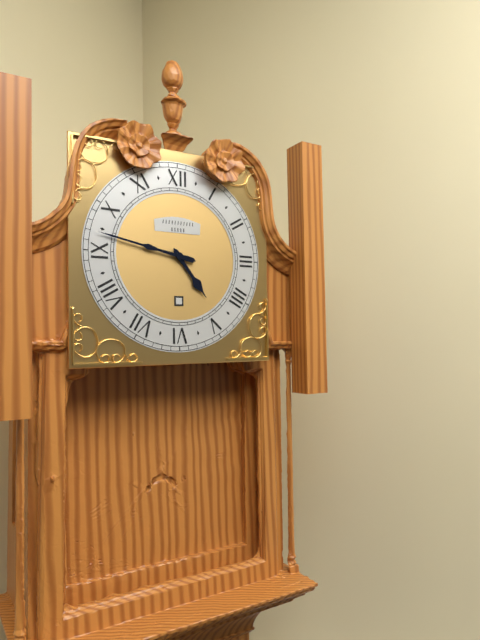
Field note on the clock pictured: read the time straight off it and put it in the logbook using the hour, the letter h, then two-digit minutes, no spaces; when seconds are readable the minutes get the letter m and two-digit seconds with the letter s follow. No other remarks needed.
4h47
